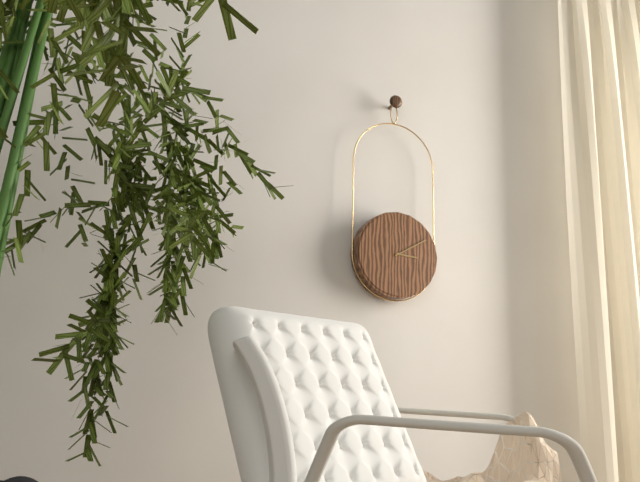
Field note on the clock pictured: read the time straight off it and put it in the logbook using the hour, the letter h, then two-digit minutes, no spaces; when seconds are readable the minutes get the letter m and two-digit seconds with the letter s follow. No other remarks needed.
3h10
